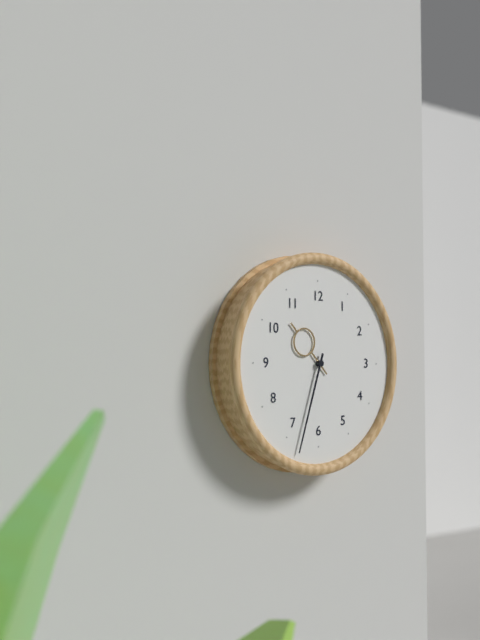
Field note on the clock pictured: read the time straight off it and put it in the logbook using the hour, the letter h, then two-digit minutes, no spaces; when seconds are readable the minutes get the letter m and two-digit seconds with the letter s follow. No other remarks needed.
10h33
